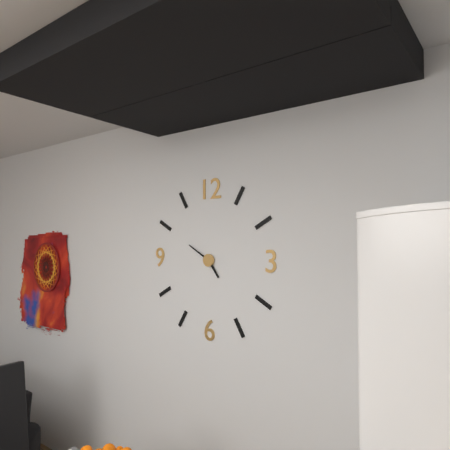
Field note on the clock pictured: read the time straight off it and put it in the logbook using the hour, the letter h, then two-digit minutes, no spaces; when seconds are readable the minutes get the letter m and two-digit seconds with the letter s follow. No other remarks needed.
4h50
